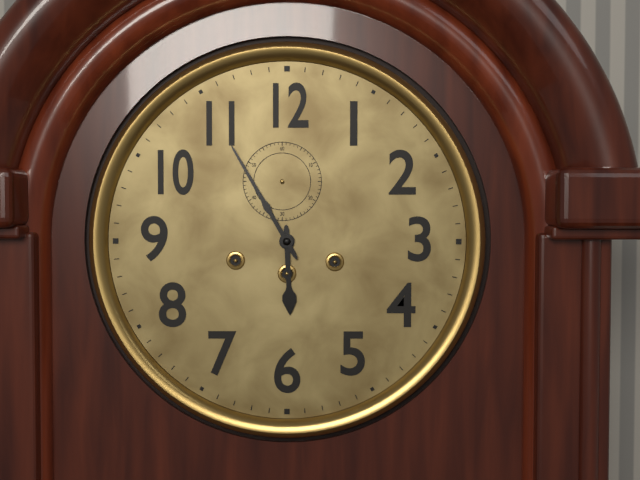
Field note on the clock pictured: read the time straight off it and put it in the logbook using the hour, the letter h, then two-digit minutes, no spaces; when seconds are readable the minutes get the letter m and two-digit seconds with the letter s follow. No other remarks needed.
5h55
